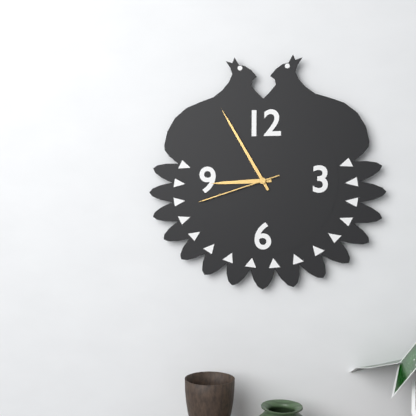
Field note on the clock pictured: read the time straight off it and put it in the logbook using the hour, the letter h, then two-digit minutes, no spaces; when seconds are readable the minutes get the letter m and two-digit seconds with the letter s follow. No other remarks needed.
8h55m42s
